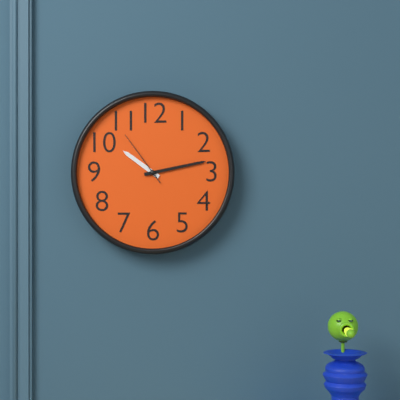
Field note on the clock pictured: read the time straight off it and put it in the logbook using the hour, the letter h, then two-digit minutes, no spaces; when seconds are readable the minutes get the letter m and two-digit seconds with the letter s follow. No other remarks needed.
10h13m54s
